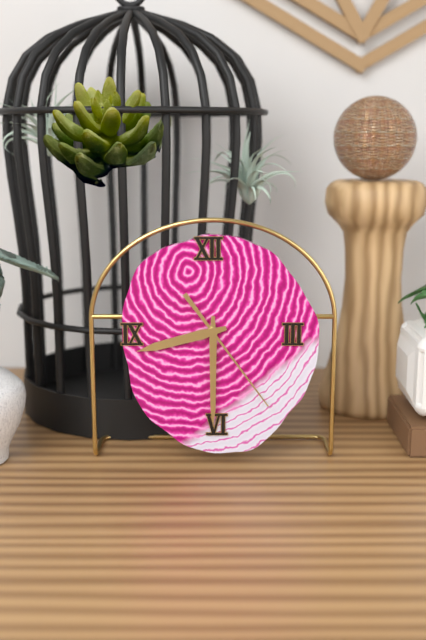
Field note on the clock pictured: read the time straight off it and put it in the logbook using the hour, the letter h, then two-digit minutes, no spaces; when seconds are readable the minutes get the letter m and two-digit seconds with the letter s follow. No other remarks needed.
8h30m24s
